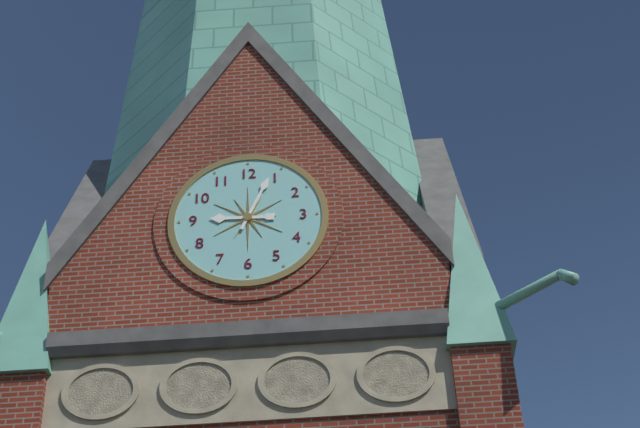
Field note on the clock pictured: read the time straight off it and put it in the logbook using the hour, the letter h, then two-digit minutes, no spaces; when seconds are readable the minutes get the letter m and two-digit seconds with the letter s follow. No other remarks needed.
9h04
